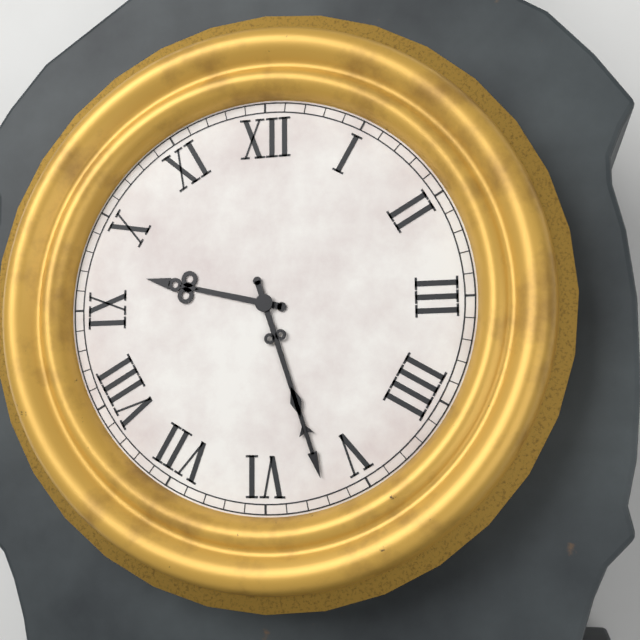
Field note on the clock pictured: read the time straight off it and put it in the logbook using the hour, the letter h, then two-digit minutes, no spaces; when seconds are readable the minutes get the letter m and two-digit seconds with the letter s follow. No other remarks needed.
9h27
